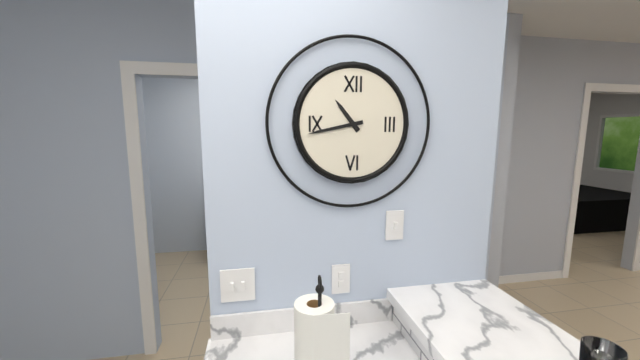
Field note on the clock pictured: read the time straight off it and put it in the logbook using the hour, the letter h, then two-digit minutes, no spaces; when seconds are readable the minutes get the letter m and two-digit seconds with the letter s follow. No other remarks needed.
10h43
